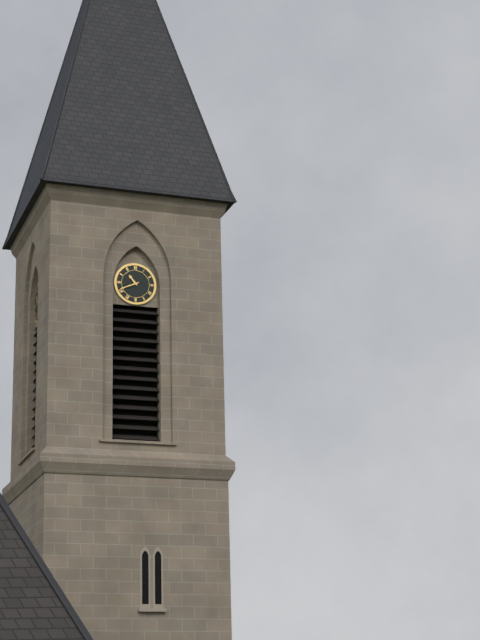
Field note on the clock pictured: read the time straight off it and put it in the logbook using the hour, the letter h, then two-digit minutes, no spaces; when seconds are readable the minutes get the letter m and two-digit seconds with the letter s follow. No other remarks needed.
10h41
